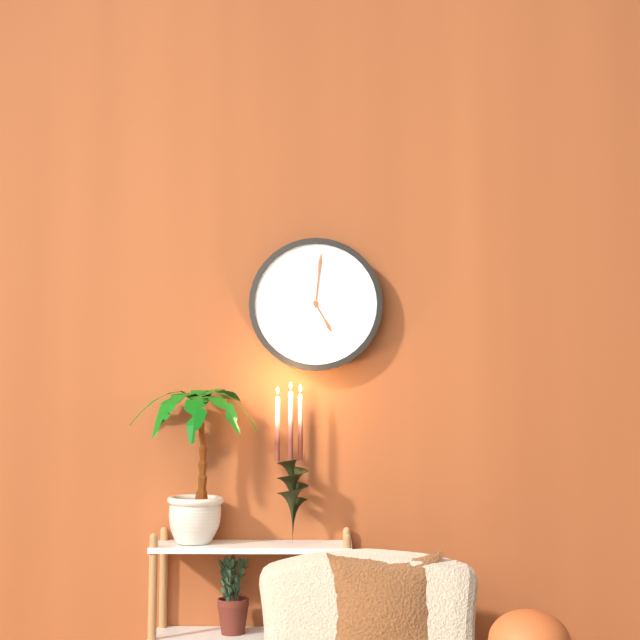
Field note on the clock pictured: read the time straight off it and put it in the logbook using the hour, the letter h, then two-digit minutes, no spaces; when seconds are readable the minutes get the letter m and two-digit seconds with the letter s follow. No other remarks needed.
5h01
